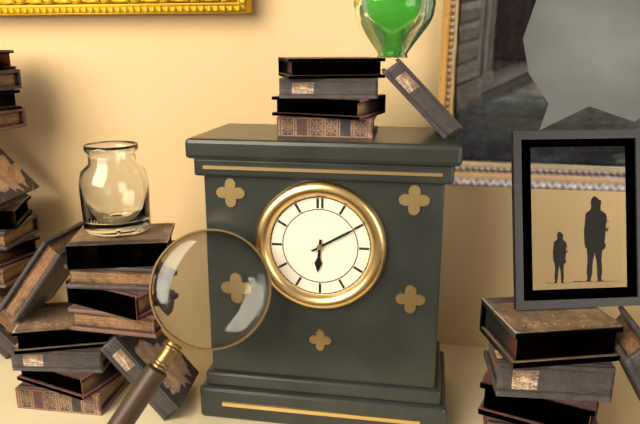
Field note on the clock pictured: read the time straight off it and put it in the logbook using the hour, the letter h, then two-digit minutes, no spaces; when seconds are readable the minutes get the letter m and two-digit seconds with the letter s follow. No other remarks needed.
6h10
